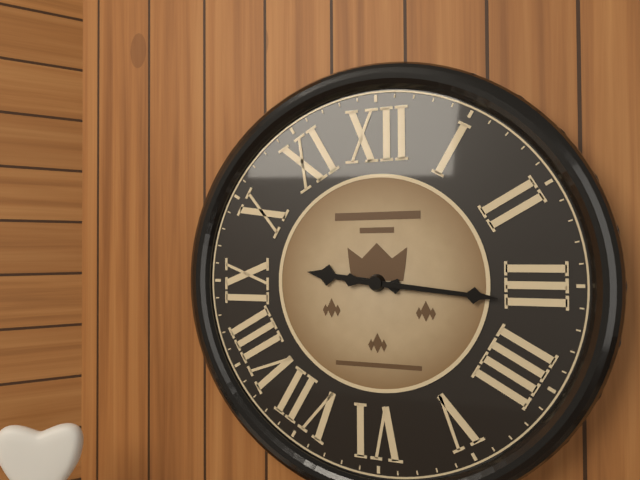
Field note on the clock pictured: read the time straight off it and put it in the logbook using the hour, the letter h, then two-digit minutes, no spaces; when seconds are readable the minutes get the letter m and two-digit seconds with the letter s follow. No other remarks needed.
9h16
